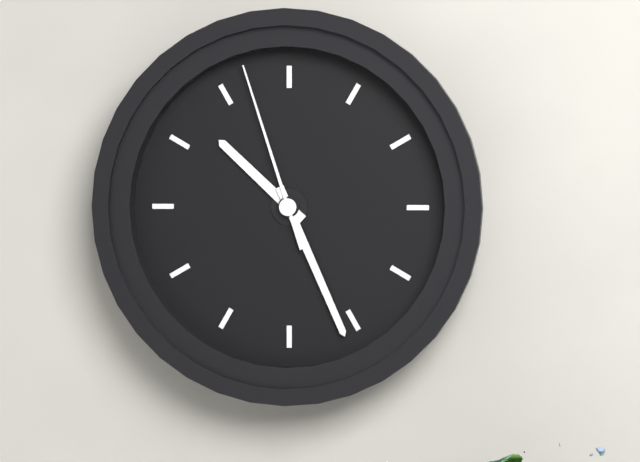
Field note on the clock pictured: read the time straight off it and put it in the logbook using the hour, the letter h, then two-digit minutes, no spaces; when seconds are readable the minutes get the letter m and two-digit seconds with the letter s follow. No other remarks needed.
10h26m57s
